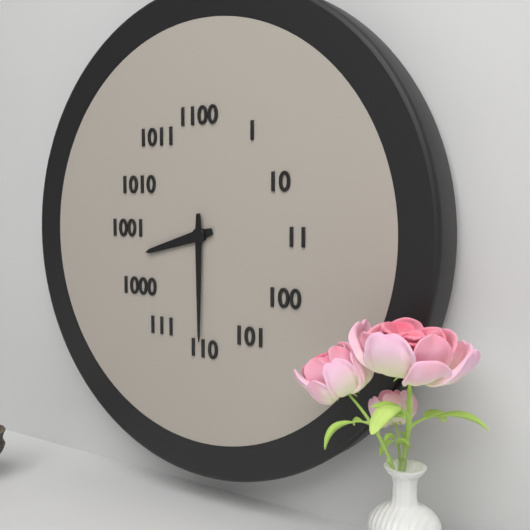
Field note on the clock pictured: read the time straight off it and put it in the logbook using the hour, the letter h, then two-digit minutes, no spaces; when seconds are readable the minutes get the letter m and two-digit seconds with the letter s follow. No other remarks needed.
8h30
